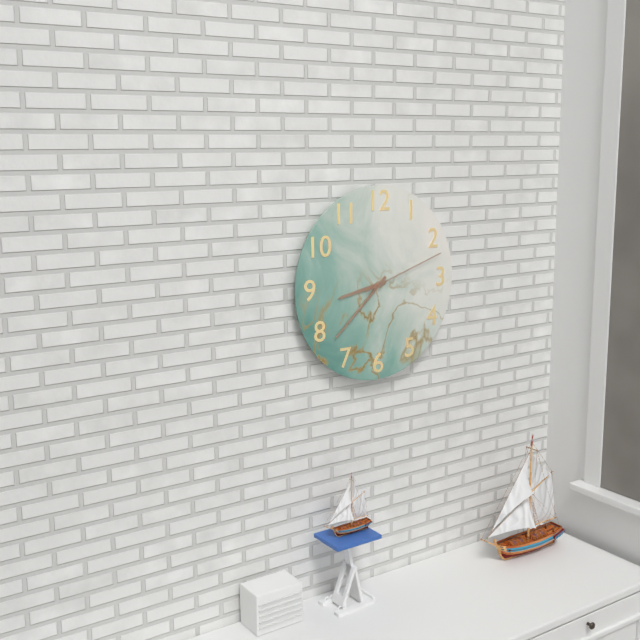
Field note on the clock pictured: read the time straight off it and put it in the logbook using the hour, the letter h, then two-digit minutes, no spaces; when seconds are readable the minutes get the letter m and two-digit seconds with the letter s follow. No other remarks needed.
8h38m12s
